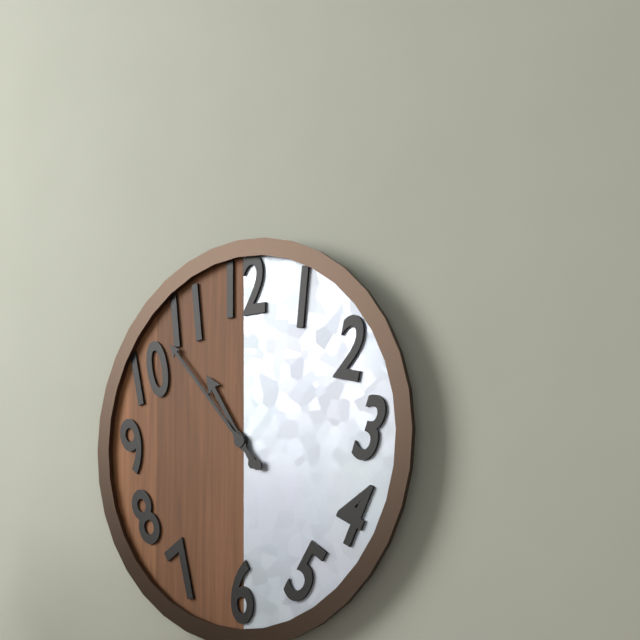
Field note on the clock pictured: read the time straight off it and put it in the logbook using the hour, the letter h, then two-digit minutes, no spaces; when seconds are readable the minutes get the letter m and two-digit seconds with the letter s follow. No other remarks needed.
10h53
